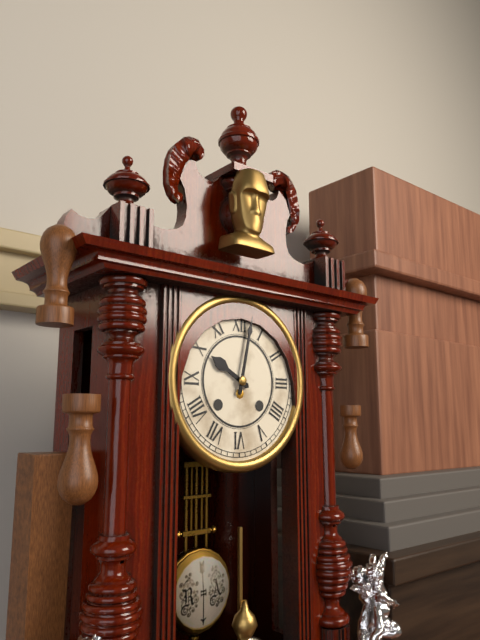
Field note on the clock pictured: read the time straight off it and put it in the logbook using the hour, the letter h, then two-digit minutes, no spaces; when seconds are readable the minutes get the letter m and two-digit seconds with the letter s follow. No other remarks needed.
10h02
